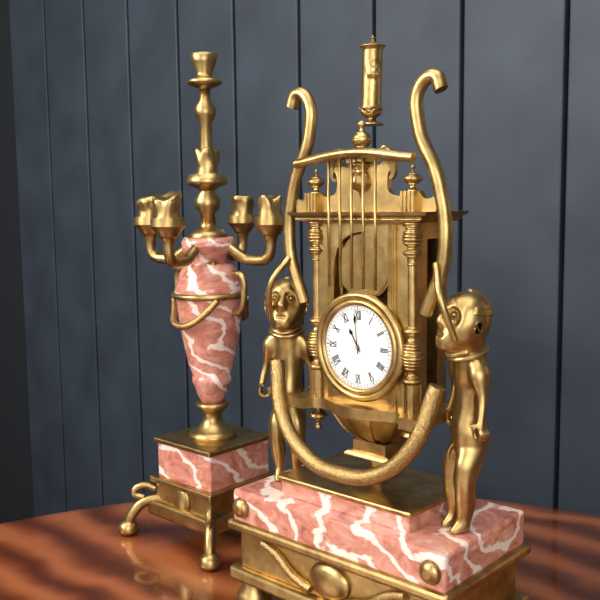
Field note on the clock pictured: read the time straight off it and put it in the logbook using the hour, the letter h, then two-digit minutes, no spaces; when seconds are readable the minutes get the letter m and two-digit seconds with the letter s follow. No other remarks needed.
10h59
